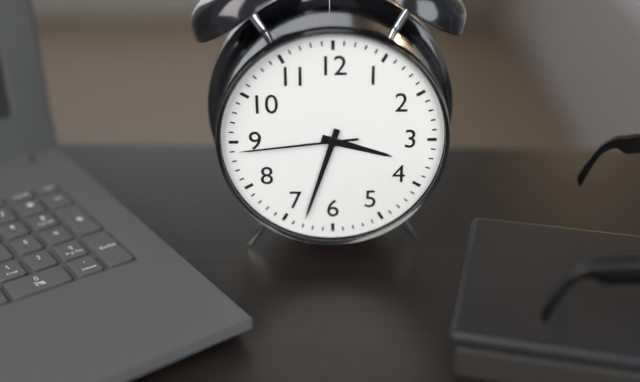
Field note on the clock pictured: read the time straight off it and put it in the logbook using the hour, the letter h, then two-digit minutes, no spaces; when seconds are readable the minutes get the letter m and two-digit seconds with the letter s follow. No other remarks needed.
3h33m44s
